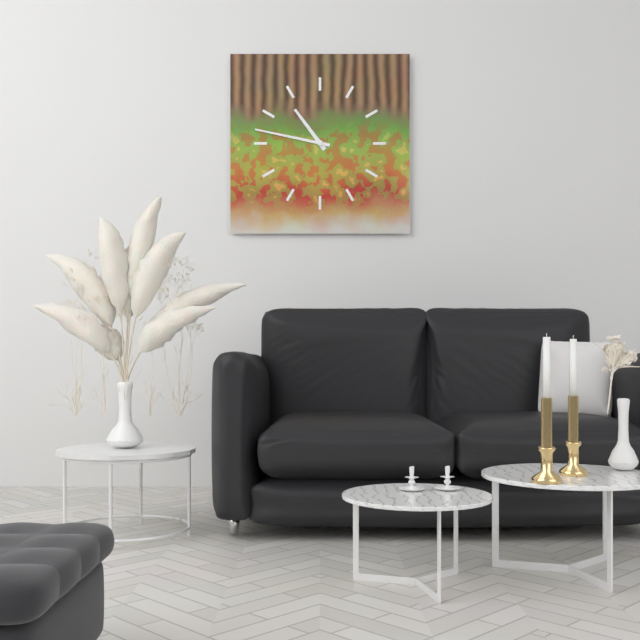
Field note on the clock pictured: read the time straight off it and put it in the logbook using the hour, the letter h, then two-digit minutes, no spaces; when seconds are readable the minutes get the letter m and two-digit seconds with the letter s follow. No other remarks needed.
10h47
